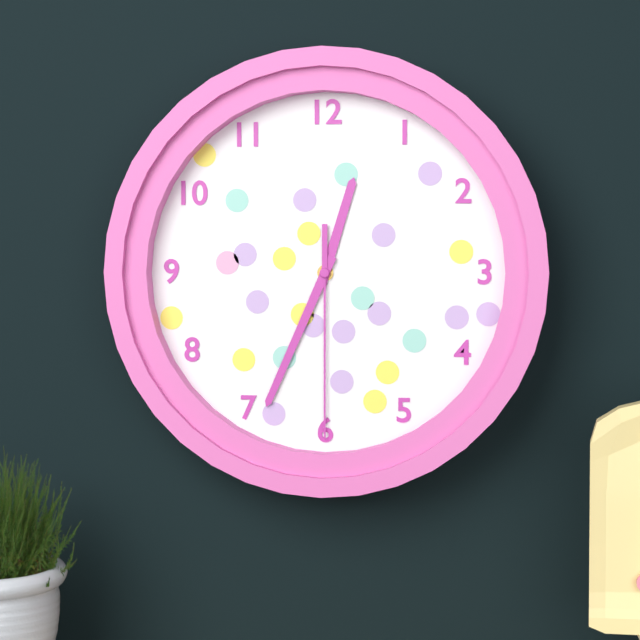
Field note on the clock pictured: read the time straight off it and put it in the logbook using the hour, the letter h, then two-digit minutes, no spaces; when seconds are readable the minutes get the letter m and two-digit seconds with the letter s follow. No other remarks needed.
12h34m30s
